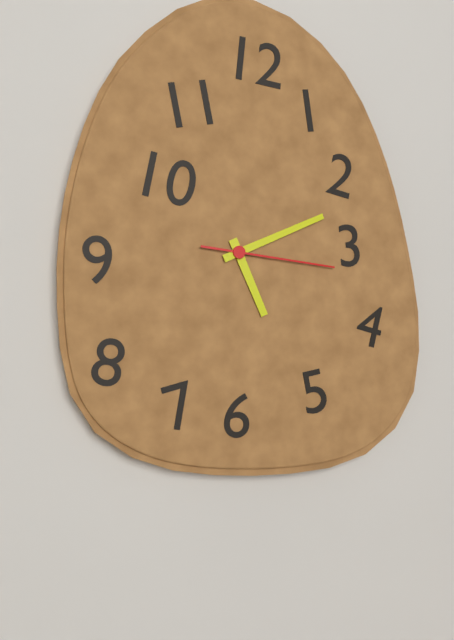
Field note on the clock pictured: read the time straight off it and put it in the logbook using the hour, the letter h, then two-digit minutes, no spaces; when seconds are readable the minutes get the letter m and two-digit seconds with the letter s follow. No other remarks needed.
5h11m16s
